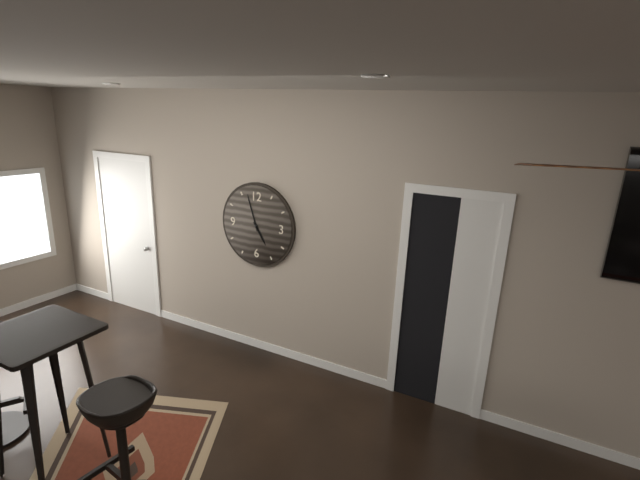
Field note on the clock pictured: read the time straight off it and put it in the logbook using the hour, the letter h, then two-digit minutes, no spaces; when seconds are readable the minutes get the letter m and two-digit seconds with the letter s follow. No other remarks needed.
4h57
